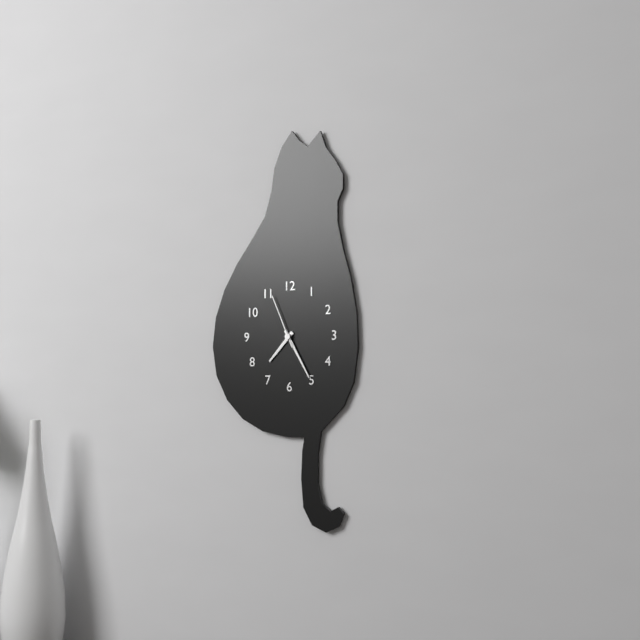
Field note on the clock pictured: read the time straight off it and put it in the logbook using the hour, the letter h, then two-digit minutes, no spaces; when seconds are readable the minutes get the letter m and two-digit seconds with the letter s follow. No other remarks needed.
7h25m56s
